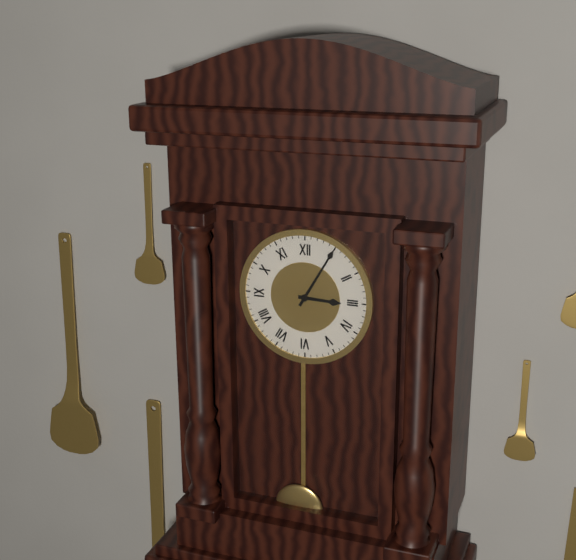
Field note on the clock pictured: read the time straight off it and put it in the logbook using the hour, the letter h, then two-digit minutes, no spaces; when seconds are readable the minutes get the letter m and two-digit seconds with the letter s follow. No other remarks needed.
3h05
